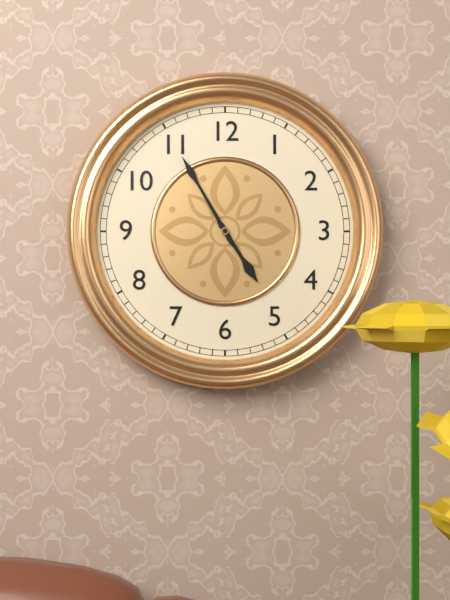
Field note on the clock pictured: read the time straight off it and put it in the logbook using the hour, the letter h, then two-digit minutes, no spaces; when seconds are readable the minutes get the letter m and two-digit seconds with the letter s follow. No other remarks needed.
4h55
